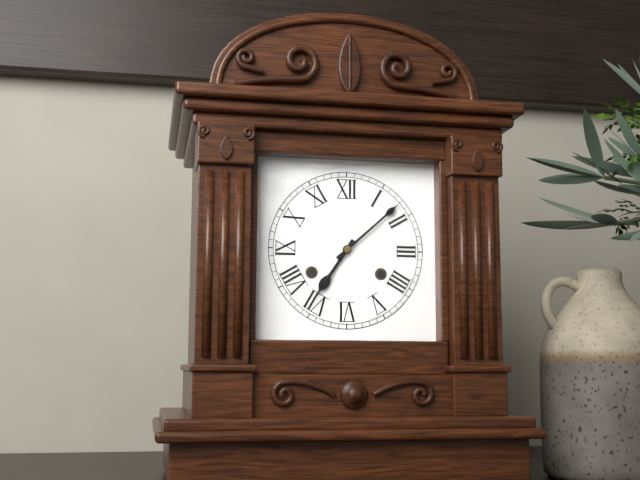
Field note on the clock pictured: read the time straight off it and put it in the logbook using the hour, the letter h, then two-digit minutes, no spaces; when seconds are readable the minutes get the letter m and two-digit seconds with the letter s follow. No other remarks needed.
7h08
